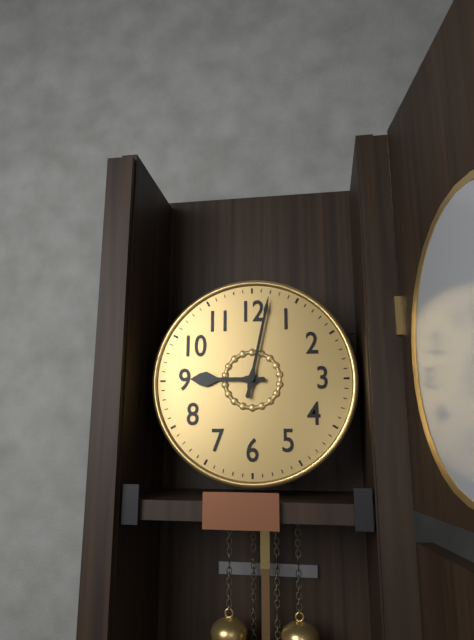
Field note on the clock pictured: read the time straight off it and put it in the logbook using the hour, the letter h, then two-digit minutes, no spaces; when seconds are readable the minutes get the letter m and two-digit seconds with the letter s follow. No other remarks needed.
9h02
